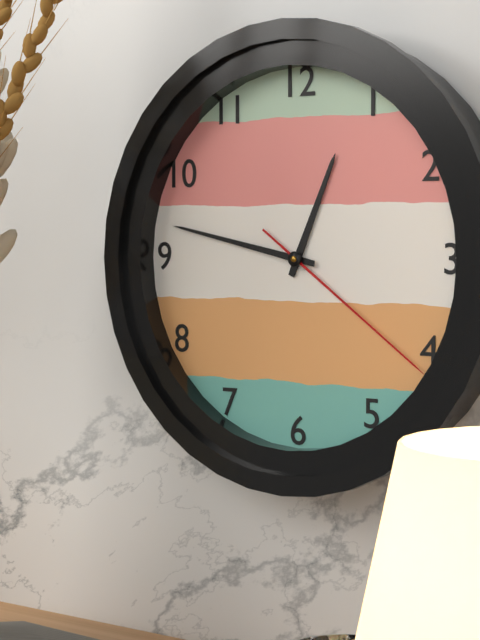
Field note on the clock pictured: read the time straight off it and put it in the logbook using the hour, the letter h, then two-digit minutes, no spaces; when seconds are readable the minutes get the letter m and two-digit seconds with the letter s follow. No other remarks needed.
12h47m21s
